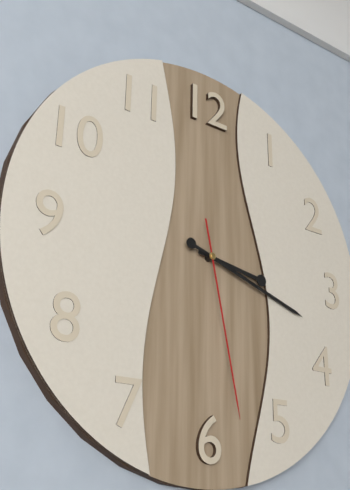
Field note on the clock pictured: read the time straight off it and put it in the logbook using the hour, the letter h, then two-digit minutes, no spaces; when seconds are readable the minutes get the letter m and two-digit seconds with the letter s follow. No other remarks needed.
3h18m28s
